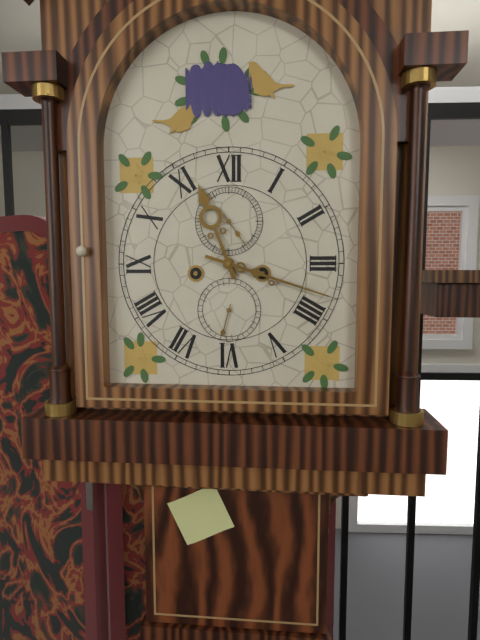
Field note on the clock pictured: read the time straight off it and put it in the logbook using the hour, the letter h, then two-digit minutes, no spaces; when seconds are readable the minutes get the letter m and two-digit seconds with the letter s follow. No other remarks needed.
11h18
